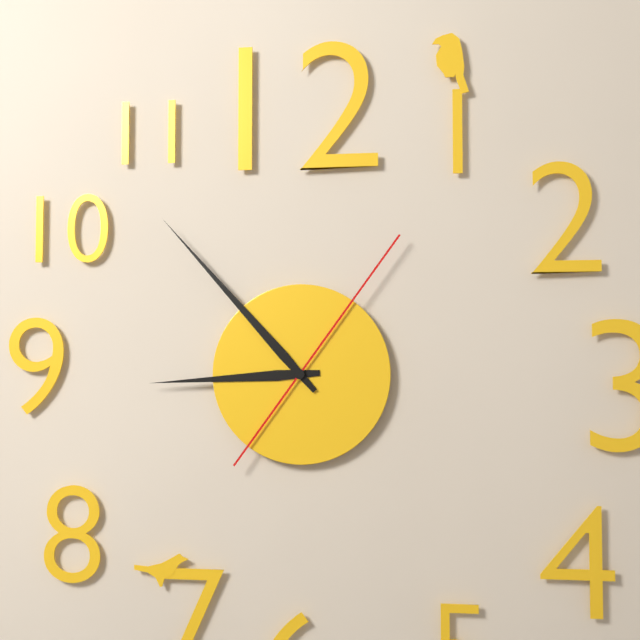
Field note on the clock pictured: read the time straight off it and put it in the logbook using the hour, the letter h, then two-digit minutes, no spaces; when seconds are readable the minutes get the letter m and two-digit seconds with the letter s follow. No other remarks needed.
8h53m06s
